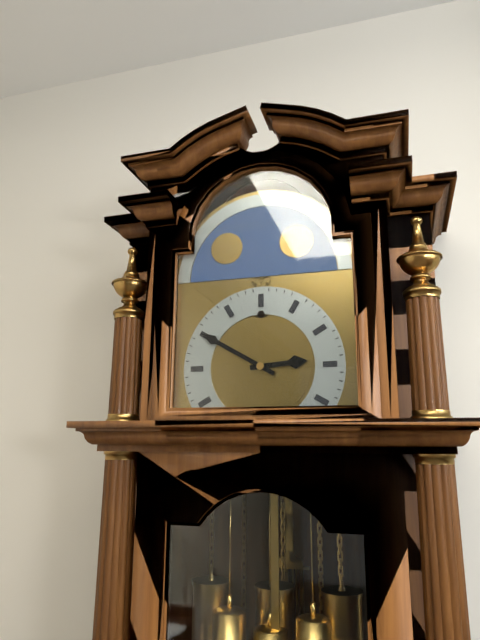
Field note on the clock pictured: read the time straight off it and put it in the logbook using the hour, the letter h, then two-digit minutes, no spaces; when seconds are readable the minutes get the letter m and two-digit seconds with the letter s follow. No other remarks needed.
2h50
